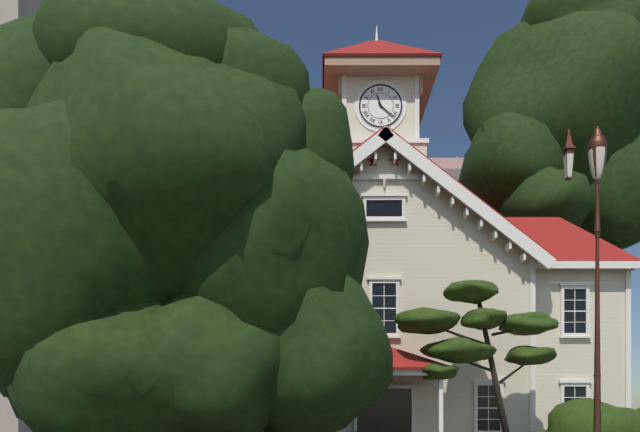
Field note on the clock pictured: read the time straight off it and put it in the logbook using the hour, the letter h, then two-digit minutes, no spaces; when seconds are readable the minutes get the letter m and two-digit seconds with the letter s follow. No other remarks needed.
11h22
